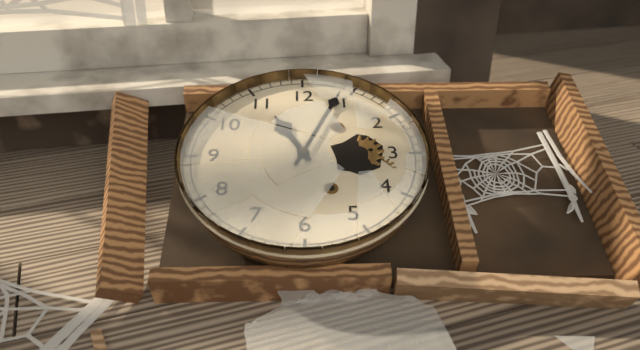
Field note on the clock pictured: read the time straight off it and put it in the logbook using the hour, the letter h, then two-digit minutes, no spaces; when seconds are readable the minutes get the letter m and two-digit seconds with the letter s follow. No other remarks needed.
11h04
